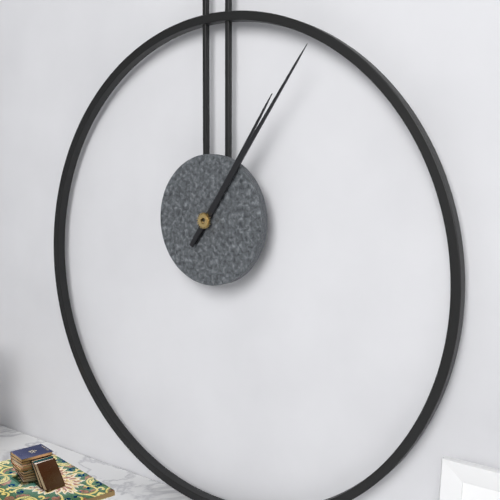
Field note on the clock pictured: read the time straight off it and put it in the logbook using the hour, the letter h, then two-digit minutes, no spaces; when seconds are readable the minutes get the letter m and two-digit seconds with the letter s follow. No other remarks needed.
1h06
